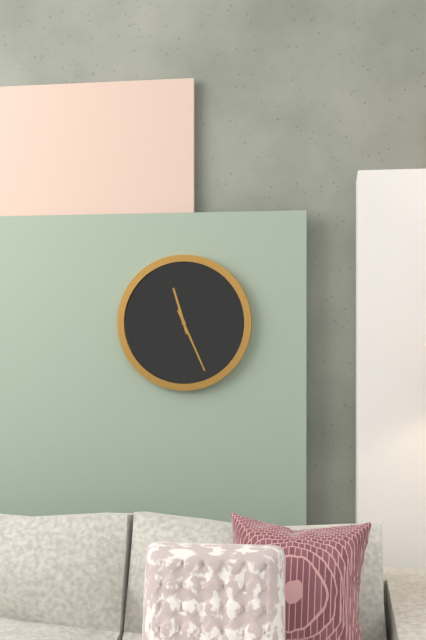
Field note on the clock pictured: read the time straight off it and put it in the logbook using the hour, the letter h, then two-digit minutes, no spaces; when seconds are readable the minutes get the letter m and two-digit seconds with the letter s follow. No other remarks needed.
11h26
